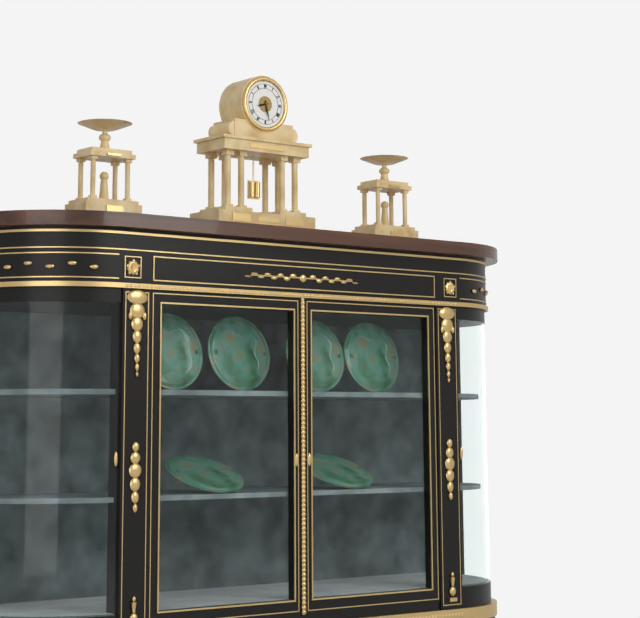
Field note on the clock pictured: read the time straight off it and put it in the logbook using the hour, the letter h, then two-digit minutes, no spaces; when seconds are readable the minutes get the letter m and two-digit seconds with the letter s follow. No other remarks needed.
8h28
